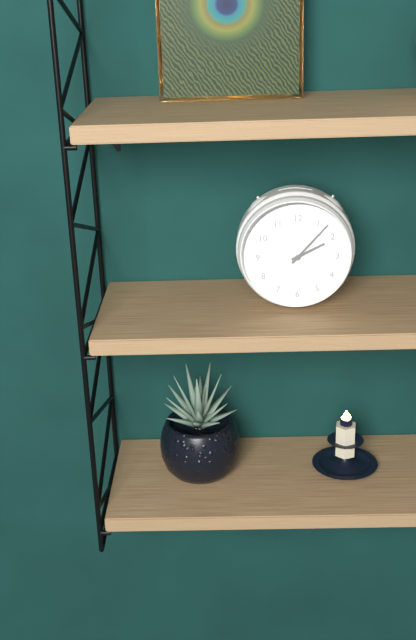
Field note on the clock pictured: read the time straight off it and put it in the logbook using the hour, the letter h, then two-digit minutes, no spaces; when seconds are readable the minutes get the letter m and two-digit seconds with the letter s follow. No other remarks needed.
2h07
